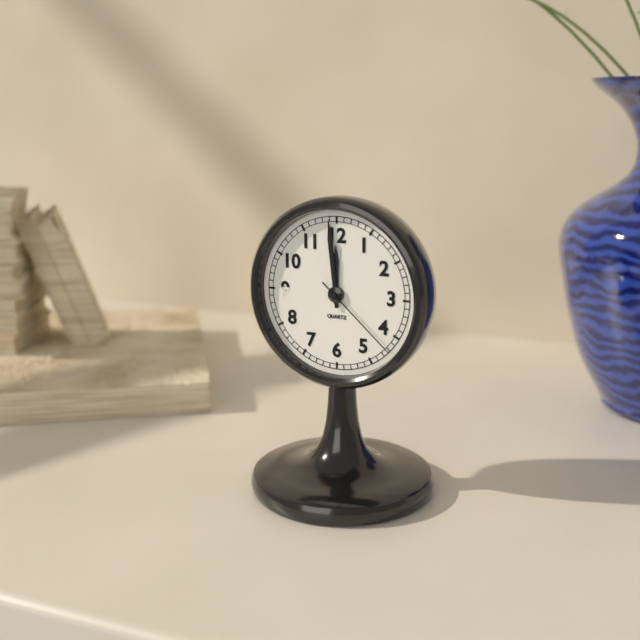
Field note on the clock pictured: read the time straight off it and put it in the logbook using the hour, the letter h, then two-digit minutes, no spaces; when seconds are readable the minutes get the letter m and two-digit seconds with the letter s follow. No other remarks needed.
11h59m22s
